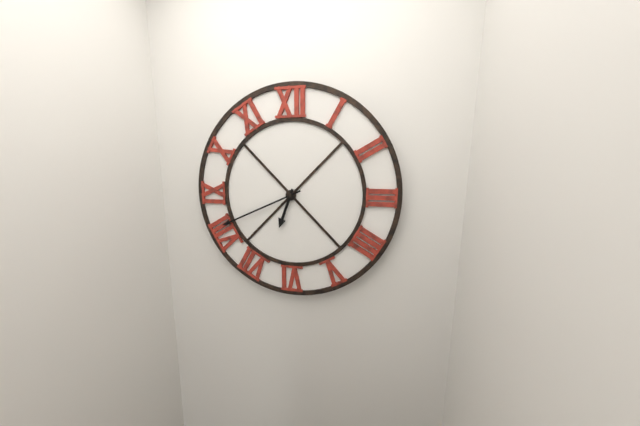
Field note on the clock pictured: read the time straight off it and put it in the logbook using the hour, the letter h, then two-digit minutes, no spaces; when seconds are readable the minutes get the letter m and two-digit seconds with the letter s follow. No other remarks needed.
6h41
